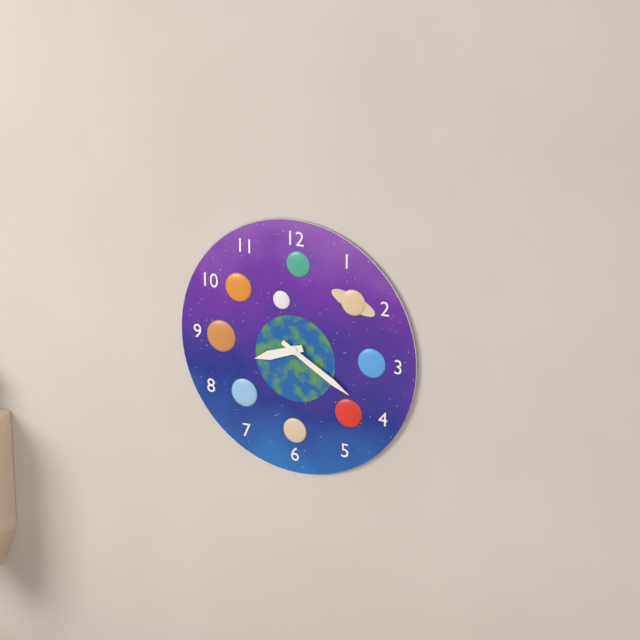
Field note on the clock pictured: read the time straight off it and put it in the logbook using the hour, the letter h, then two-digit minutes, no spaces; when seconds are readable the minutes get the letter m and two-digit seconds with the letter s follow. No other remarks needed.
8h20
